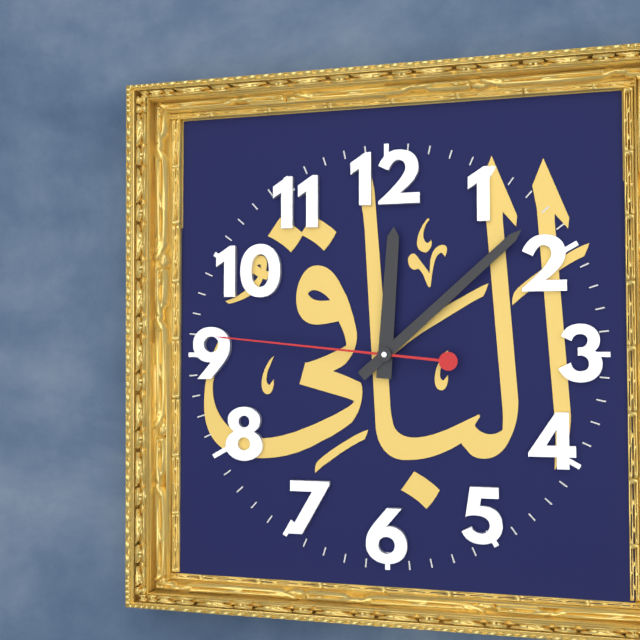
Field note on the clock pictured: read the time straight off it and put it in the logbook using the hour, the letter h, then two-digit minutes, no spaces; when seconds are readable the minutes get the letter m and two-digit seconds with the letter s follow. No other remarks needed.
12h08m46s
